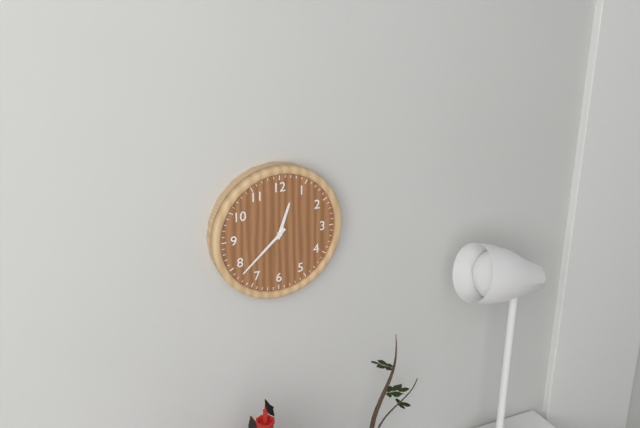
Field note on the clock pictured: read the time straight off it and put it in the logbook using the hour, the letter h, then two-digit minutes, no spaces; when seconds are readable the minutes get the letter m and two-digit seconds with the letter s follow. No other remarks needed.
12h38
